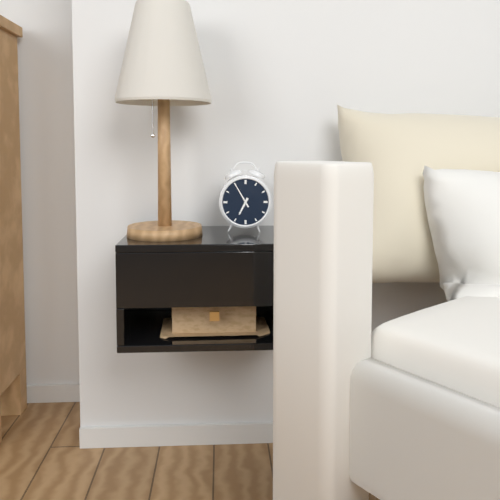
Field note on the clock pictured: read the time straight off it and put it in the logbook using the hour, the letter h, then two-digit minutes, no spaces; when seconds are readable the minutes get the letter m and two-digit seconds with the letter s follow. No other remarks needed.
6h55
